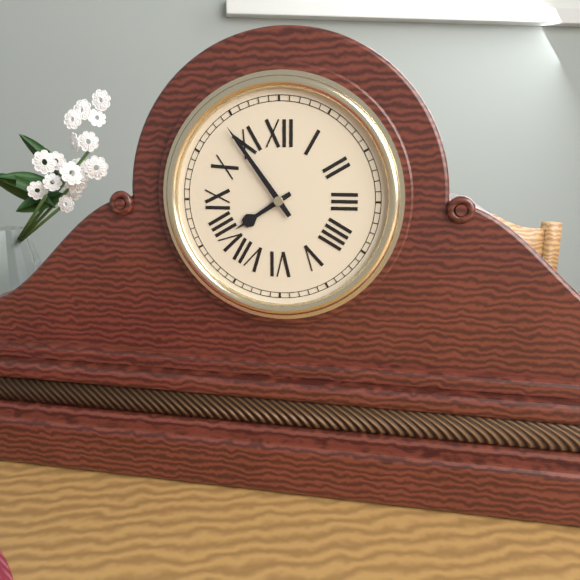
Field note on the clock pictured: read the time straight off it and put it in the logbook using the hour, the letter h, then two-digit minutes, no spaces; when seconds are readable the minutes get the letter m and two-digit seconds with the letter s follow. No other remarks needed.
7h54
